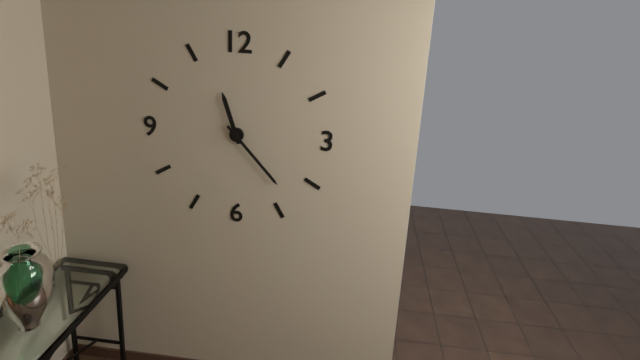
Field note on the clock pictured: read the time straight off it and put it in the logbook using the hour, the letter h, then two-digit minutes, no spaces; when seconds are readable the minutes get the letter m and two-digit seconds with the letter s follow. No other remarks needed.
11h23
